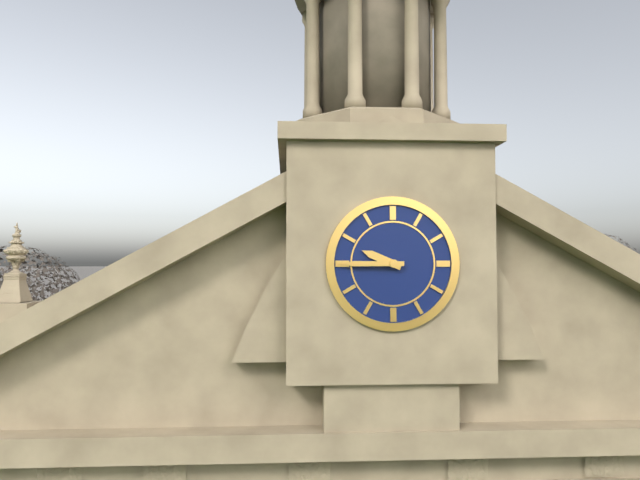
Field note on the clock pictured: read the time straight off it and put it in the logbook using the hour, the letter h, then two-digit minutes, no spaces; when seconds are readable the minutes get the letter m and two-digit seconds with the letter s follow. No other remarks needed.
9h45
